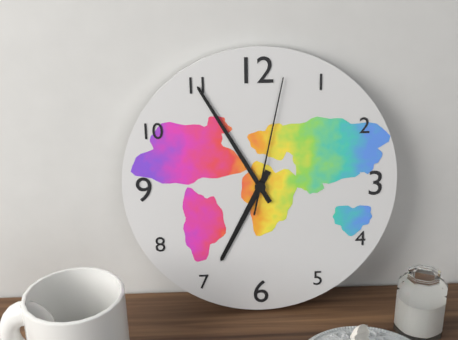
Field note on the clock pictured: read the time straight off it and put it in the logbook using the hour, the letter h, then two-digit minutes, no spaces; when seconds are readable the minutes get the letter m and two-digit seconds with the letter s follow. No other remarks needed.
6h55m02s
